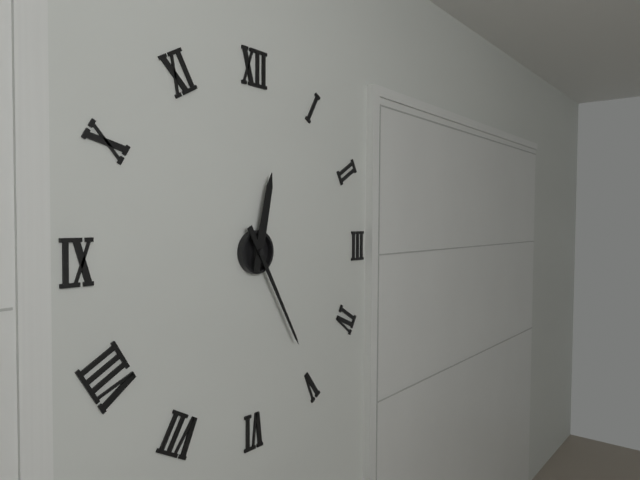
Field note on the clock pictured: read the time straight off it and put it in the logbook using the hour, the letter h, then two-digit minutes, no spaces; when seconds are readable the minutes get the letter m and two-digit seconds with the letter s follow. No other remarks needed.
12h25
